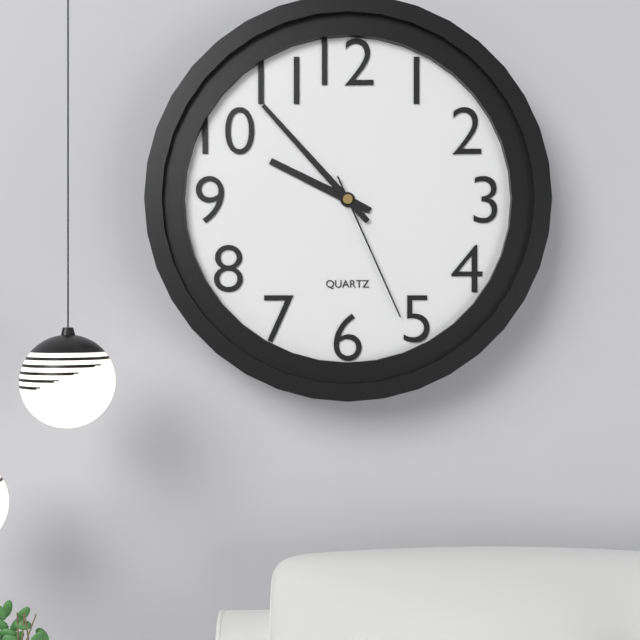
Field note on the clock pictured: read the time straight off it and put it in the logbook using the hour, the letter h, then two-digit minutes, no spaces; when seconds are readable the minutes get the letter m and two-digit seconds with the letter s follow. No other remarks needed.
9h53m26s
